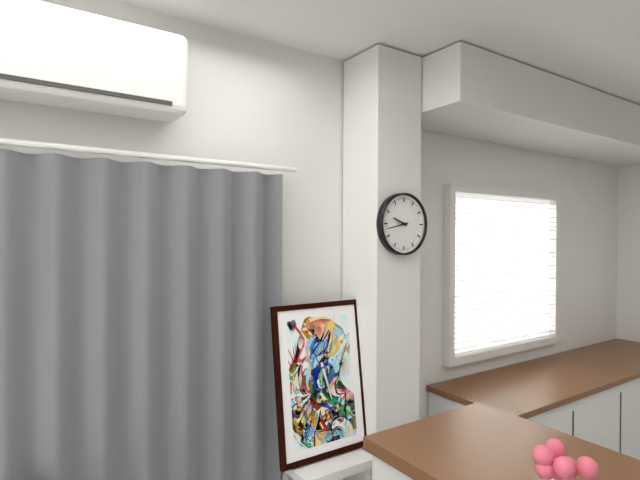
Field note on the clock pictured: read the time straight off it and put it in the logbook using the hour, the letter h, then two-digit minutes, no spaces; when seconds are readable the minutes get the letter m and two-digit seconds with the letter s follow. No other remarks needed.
9h43
